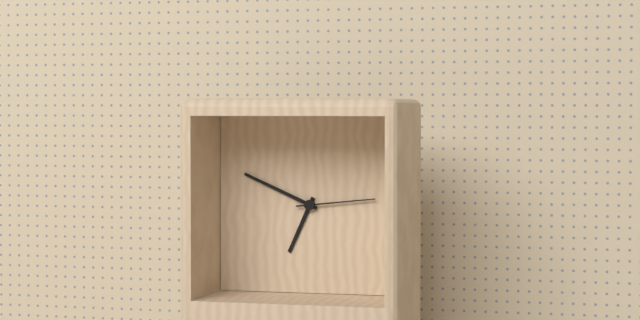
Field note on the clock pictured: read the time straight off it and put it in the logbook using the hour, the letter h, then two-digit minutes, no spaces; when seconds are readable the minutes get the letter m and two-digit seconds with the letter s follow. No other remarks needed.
6h49m14s
